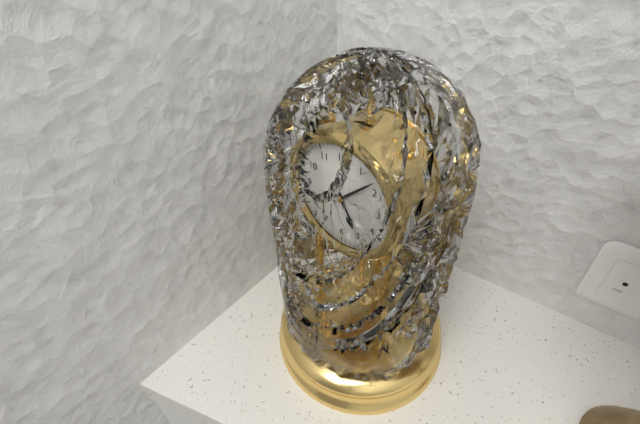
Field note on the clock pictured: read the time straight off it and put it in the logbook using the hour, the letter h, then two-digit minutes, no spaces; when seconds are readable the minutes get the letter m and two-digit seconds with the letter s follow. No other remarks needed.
5h08
